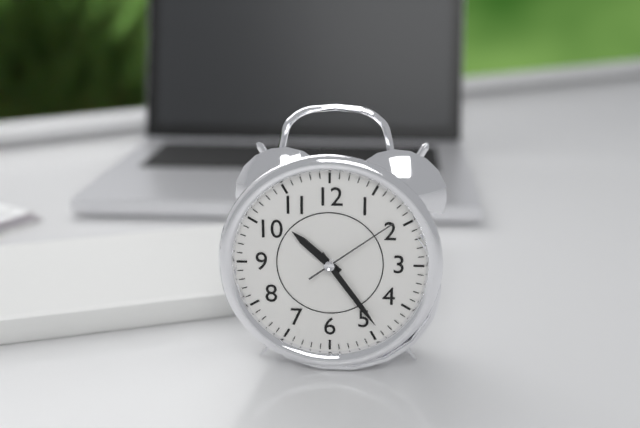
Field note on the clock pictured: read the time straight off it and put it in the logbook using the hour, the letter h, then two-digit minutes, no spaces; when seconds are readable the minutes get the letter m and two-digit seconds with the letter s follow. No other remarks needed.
10h24m09s
